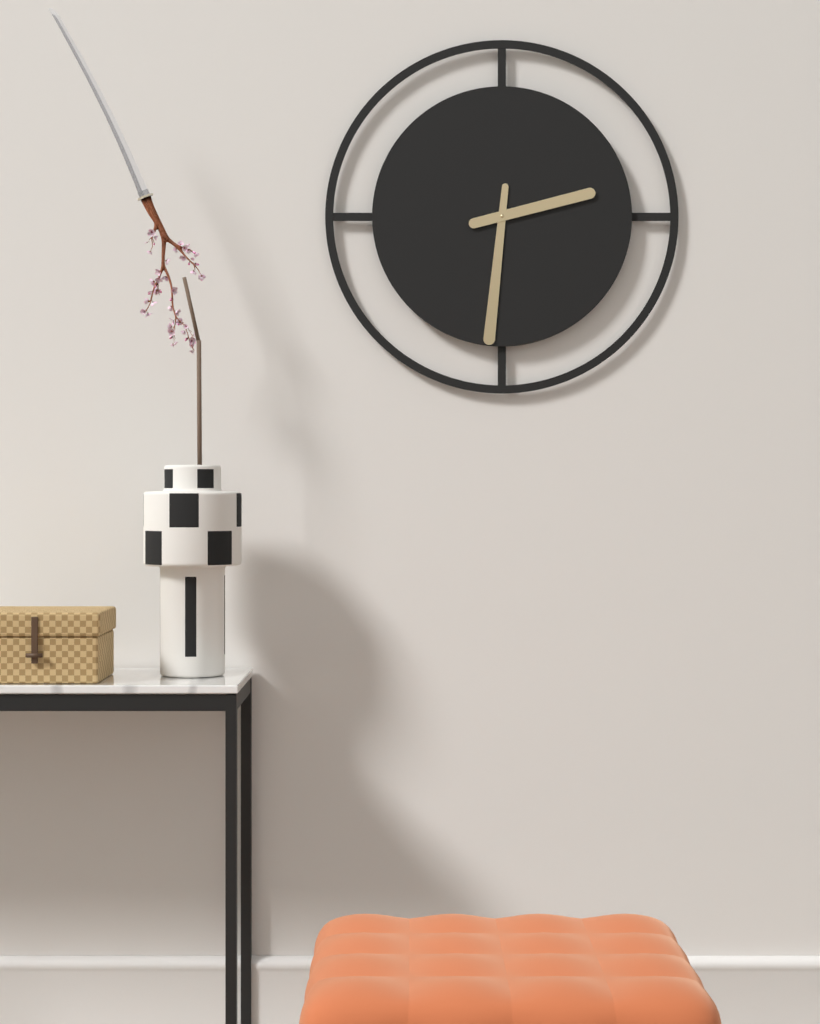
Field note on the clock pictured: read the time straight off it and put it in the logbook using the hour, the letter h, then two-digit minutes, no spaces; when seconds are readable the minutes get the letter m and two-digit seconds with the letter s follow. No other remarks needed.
2h31
